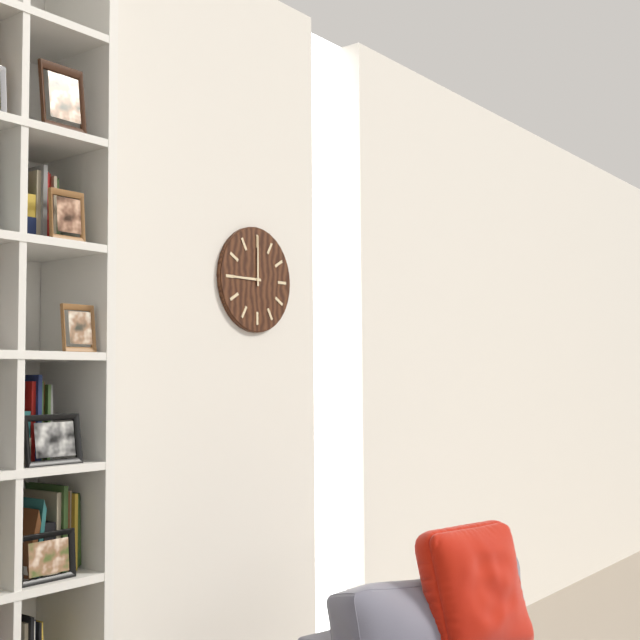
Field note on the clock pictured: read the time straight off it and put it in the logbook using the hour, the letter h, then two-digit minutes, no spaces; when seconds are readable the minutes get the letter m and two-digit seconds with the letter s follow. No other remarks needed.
9h00
